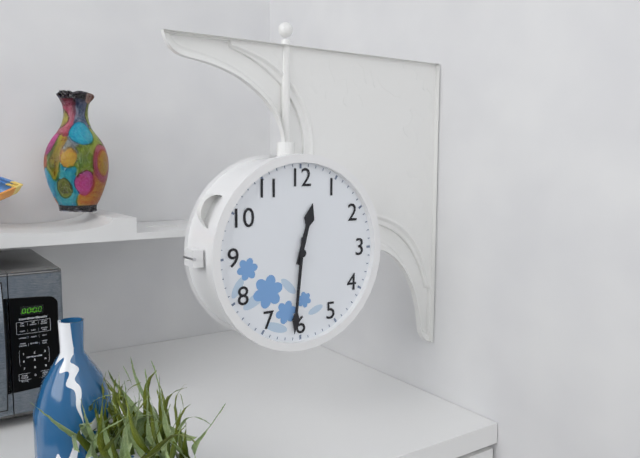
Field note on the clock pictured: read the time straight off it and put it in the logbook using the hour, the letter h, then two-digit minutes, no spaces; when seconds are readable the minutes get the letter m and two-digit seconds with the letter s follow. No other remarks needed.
12h31
